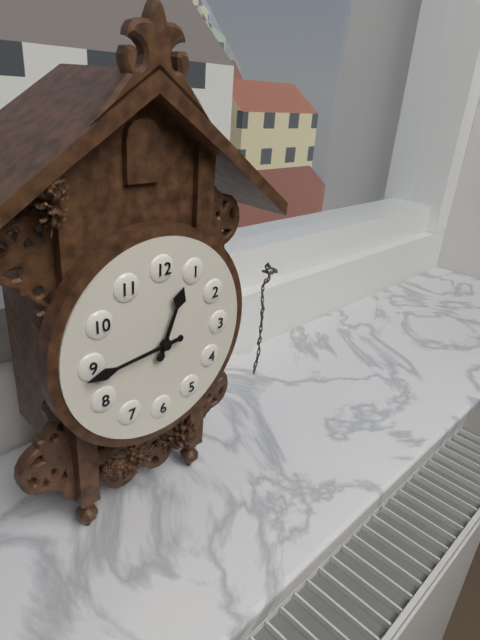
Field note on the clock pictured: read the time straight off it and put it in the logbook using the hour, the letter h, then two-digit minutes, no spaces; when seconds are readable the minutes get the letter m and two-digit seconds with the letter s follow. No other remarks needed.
12h44
